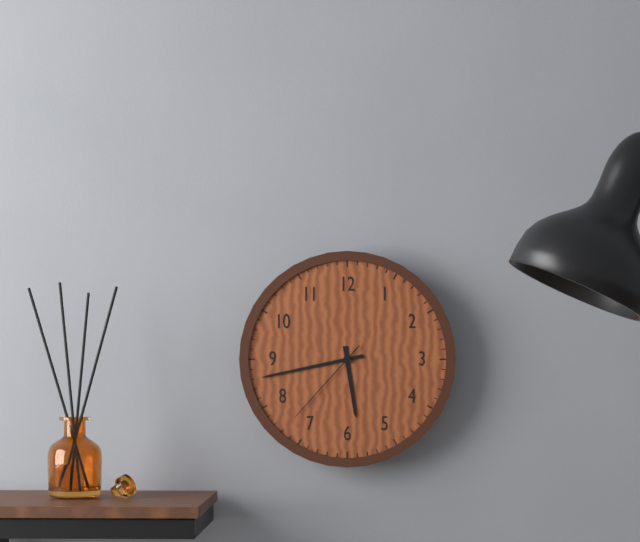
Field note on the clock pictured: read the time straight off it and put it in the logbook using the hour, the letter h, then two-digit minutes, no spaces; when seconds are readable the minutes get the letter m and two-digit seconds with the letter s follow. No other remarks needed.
5h43m37s
